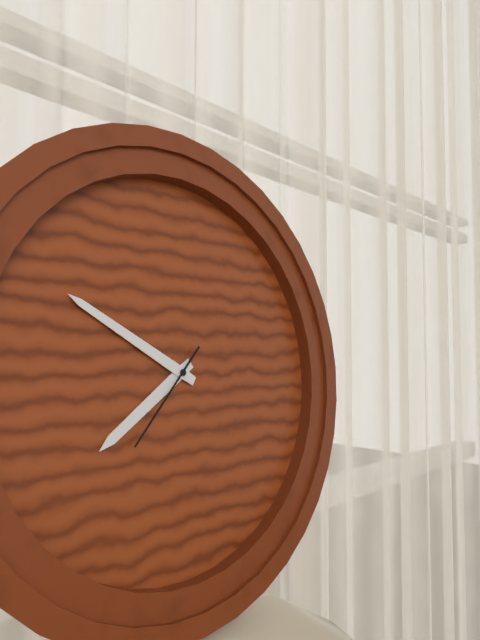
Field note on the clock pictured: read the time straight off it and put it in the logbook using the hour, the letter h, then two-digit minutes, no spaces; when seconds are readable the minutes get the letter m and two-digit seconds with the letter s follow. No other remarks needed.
7h50m37s
